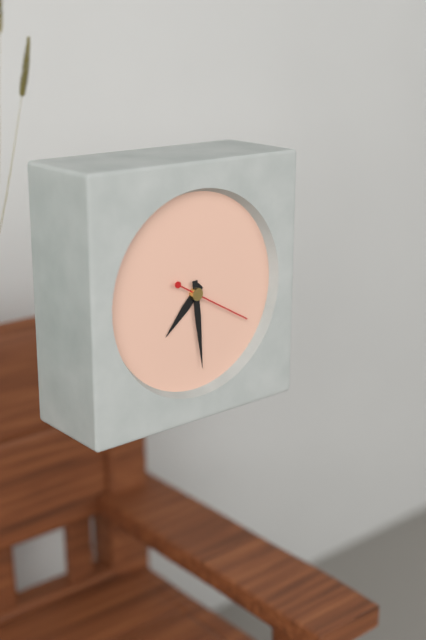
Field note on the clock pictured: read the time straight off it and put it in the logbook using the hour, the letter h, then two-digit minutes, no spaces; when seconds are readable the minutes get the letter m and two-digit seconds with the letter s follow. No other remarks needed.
7h29m20s
